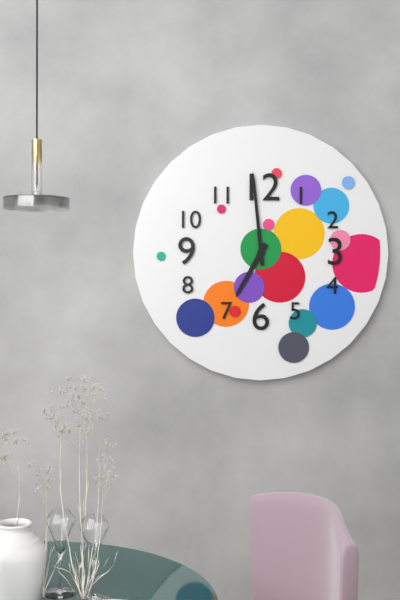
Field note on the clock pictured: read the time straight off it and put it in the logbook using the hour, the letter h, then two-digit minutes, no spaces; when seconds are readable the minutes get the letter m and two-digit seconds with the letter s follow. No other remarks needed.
6h59
